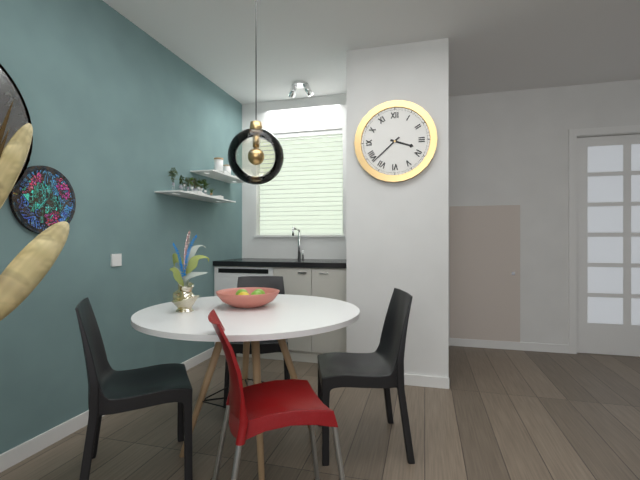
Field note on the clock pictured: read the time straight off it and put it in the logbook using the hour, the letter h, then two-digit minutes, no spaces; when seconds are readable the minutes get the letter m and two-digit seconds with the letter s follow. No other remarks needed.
3h38
